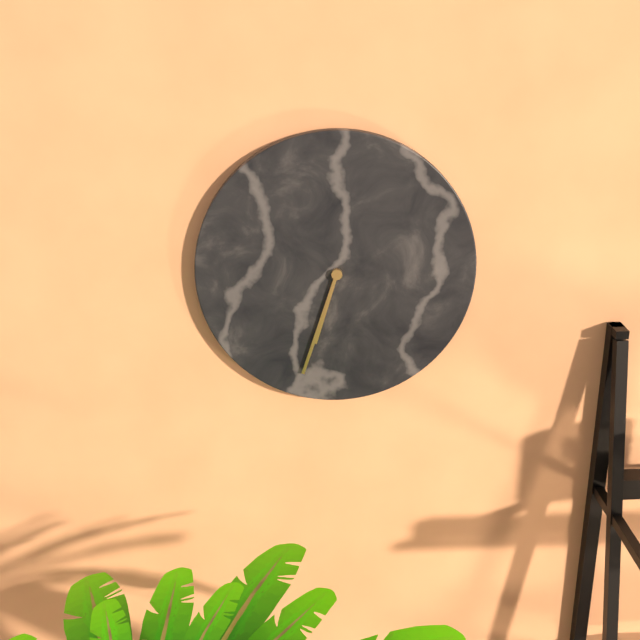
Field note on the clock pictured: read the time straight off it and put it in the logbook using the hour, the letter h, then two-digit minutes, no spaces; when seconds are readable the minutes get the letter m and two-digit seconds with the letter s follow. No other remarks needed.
6h33
